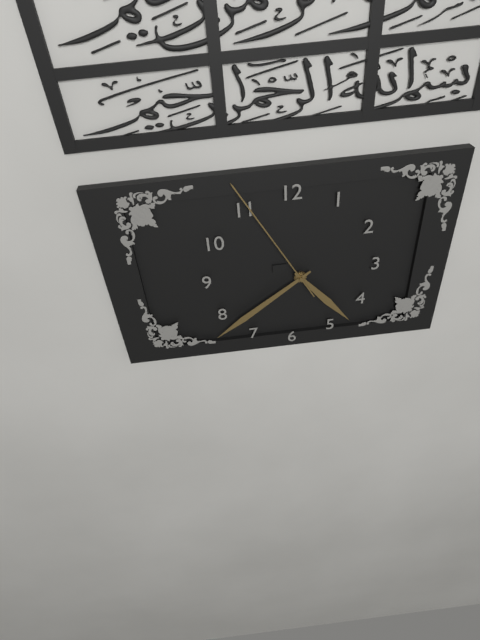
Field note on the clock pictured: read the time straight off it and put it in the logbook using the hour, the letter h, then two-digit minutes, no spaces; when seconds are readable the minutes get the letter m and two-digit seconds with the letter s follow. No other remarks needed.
4h39m55s
